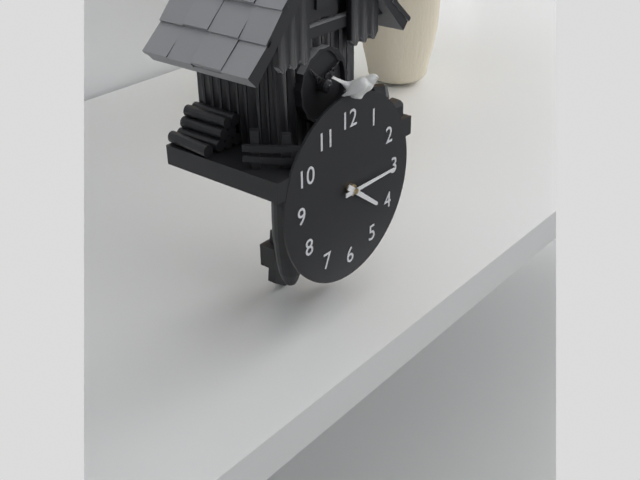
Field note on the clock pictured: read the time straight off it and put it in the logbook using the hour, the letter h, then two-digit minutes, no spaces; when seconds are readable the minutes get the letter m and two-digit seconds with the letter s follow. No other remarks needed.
4h15
